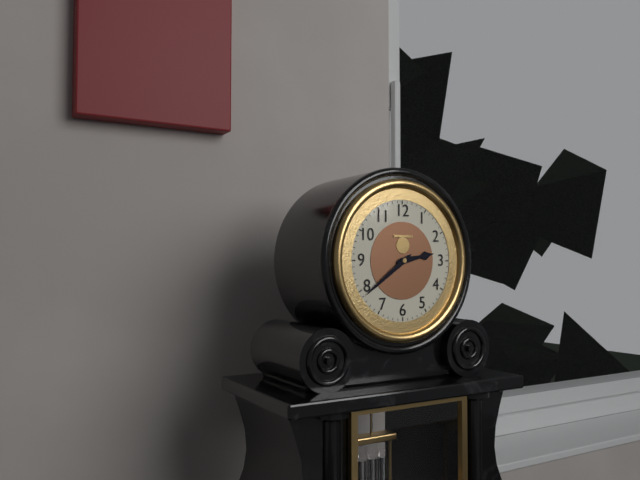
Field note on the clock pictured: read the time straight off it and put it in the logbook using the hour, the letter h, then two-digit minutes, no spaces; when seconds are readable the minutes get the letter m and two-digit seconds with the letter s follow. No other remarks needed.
2h39
